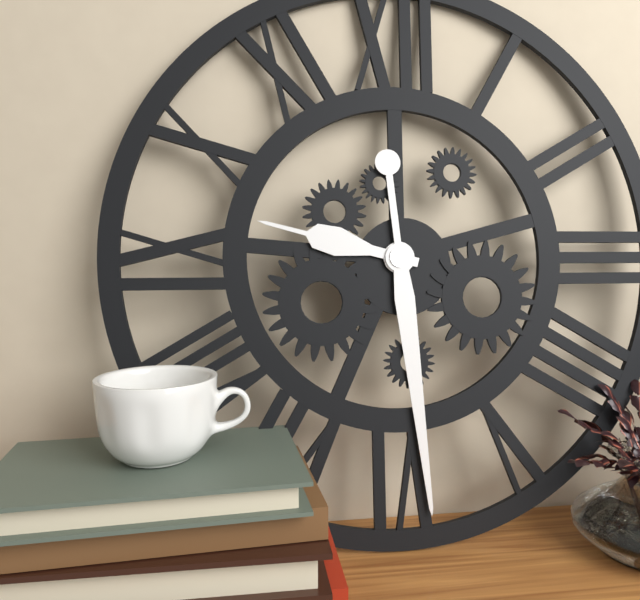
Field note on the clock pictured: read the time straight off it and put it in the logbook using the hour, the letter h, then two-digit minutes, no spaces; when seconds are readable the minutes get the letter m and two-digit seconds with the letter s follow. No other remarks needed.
9h29
